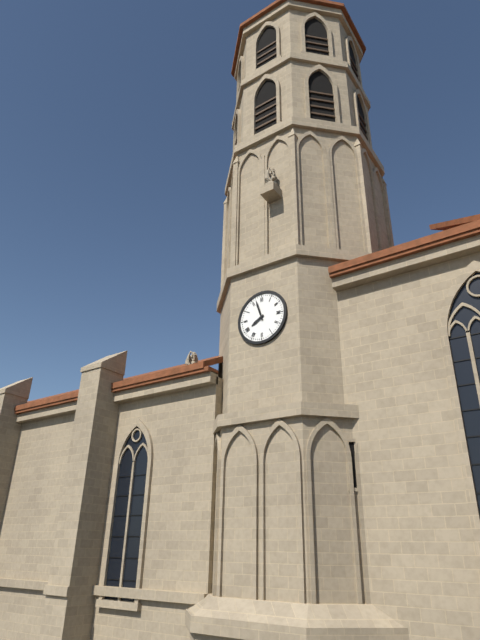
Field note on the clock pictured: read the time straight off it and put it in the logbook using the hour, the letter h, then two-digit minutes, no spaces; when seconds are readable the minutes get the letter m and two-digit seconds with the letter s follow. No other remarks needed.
7h57
